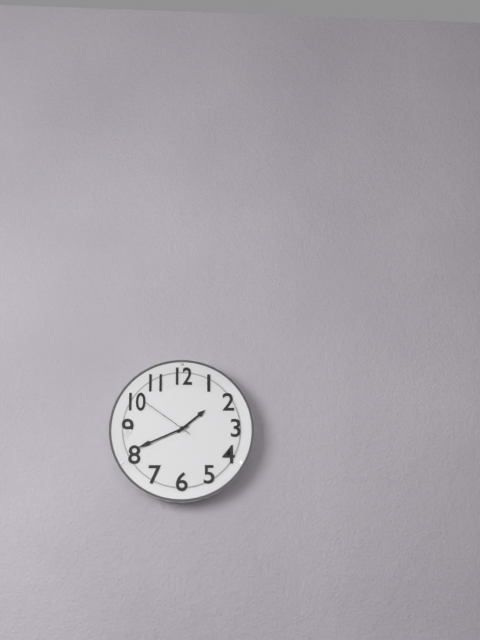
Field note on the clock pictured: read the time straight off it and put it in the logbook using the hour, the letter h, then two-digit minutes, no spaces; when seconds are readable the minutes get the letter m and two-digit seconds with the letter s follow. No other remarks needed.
1h41m51s
